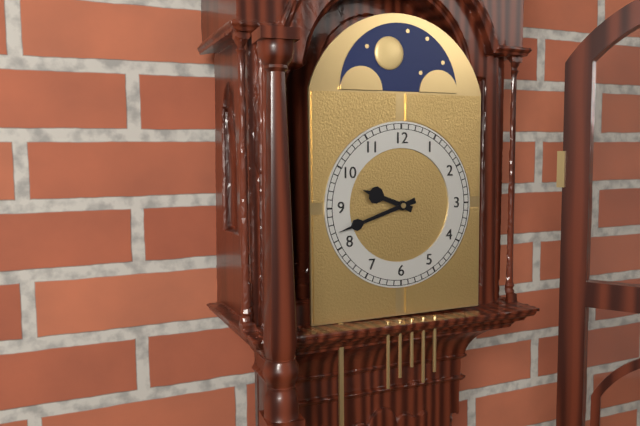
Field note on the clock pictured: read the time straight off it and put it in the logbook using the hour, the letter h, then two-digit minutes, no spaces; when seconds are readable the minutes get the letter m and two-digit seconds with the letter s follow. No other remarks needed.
9h42
